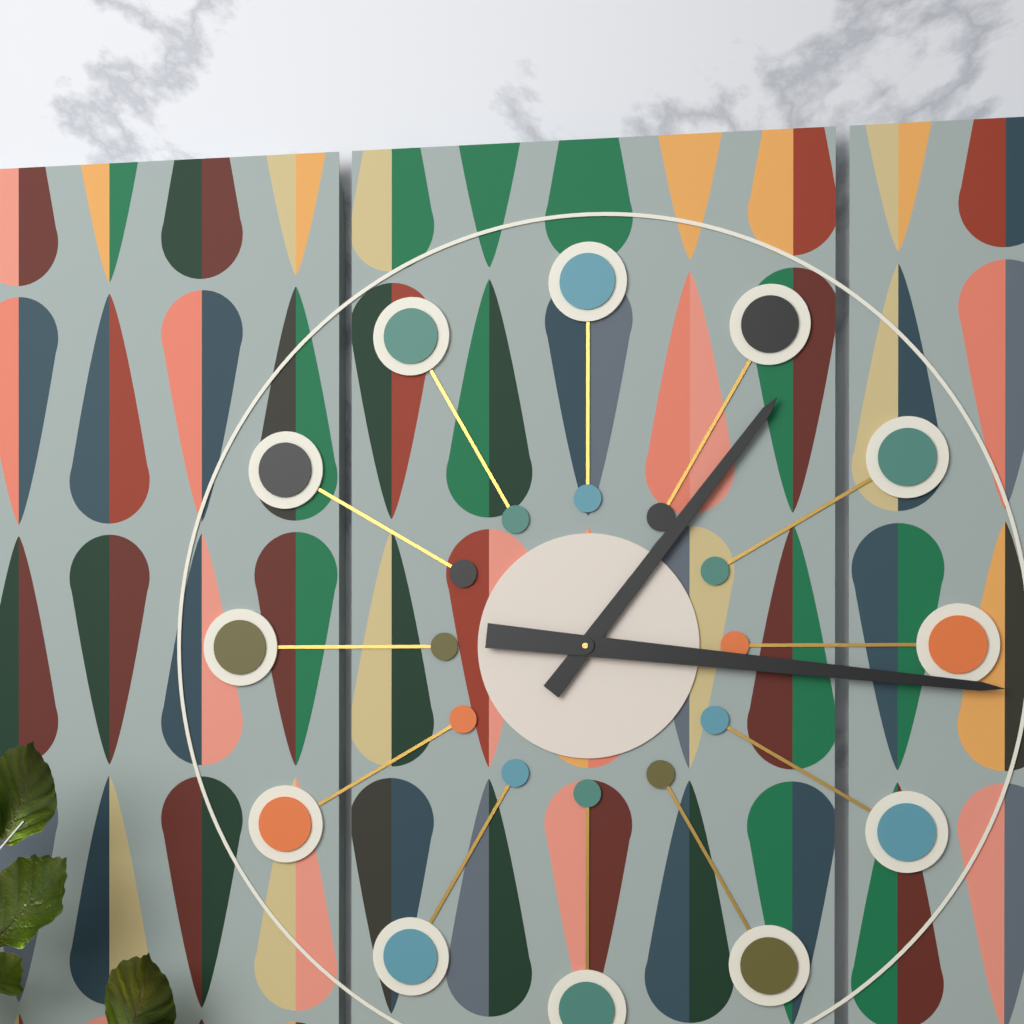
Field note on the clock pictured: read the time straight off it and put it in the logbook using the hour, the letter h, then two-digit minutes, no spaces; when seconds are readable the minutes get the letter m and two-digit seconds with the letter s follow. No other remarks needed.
1h16
